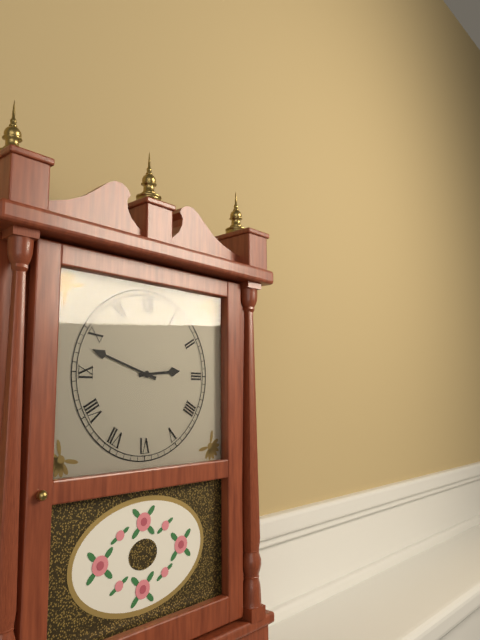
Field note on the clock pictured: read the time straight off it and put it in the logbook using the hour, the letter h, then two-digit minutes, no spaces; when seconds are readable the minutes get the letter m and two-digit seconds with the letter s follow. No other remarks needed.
2h48
